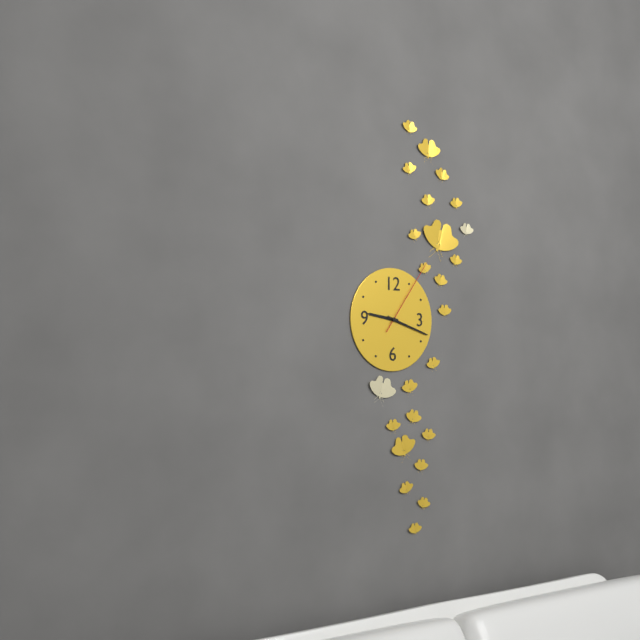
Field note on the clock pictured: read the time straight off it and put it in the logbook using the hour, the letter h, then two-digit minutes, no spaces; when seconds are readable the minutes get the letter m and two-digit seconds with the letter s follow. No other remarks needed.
9h18m06s
